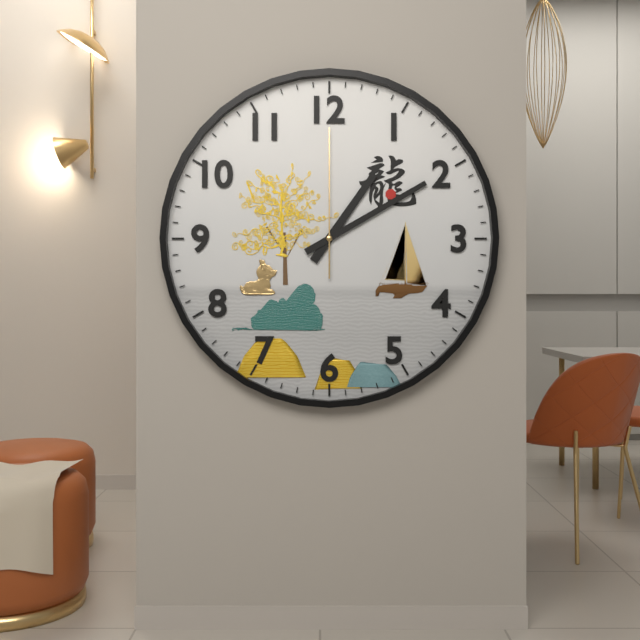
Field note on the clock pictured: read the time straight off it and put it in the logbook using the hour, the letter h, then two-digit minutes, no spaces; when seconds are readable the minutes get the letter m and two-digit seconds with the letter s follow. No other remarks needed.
1h10m00s
